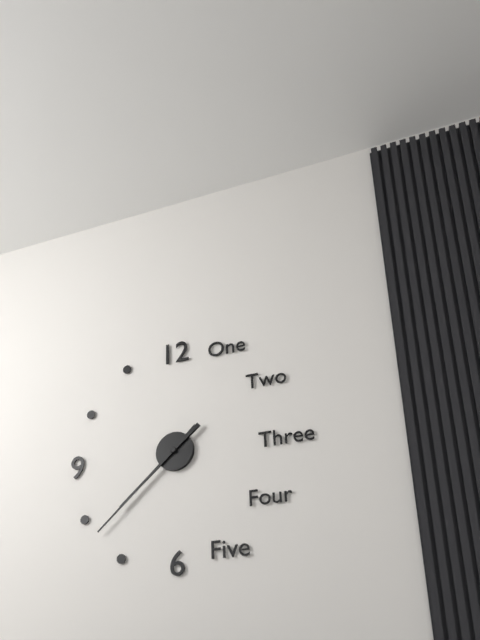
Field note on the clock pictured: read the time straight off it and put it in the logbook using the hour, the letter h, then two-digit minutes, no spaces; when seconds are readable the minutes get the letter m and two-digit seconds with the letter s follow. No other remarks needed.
7h38
